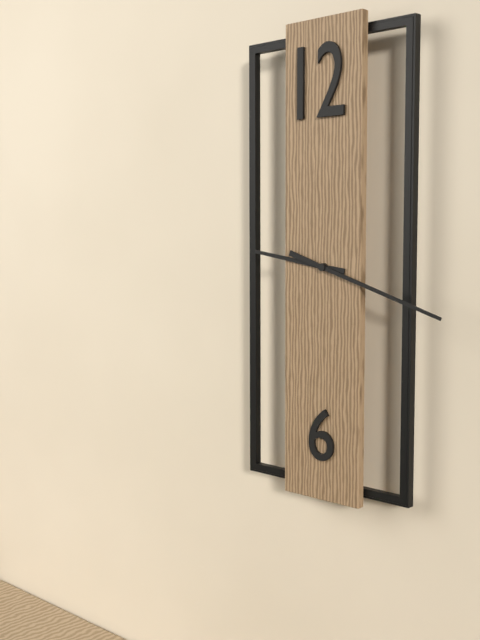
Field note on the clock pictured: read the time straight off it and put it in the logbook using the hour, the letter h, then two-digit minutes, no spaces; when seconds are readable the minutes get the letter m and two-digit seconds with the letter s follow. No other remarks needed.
9h18
